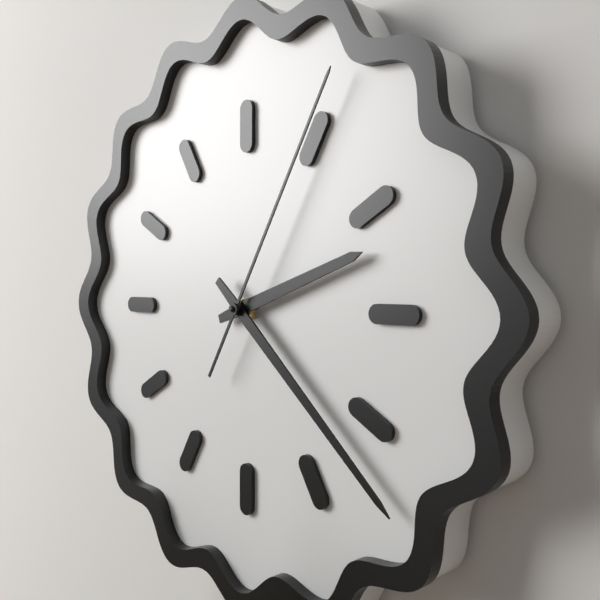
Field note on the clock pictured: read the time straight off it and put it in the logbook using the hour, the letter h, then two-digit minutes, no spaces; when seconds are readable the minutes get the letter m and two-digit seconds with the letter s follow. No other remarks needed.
2h22m05s
